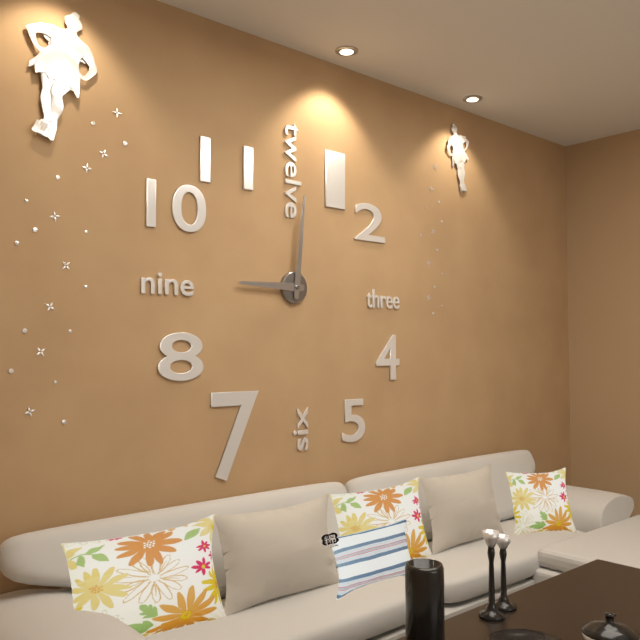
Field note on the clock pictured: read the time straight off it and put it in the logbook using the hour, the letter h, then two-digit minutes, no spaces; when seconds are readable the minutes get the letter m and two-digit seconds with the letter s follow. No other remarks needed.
9h01
